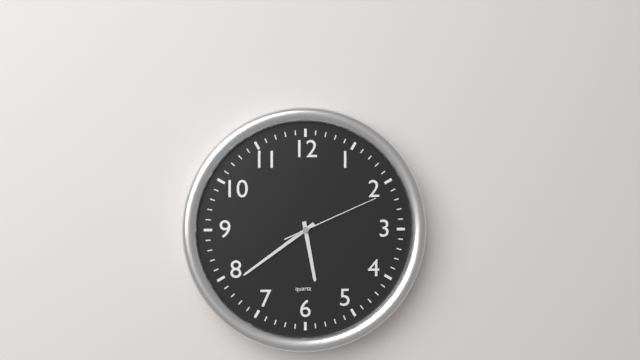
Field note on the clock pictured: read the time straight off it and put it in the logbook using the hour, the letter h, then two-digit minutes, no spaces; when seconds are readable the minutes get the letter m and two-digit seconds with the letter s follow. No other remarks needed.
5h39m11s
